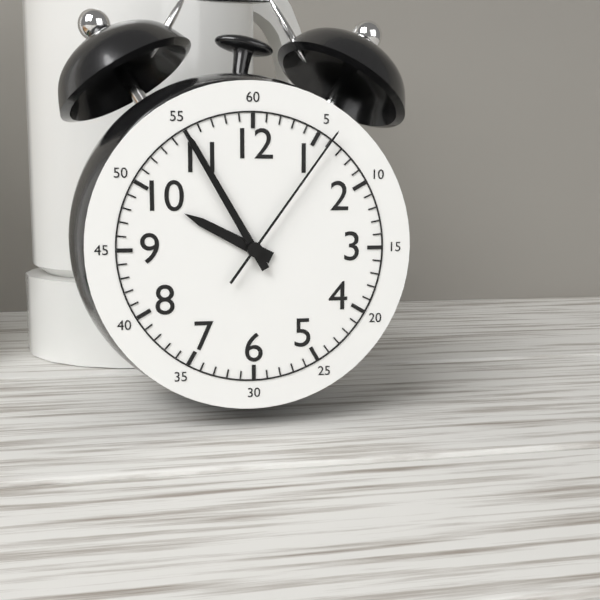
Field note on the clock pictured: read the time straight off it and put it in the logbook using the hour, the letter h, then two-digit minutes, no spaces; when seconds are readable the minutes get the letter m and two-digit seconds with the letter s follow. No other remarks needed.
9h55m06s
